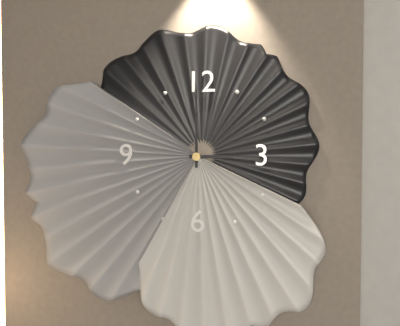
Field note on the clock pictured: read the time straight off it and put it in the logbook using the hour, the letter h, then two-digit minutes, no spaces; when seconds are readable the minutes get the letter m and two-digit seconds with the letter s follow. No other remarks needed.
3h00
